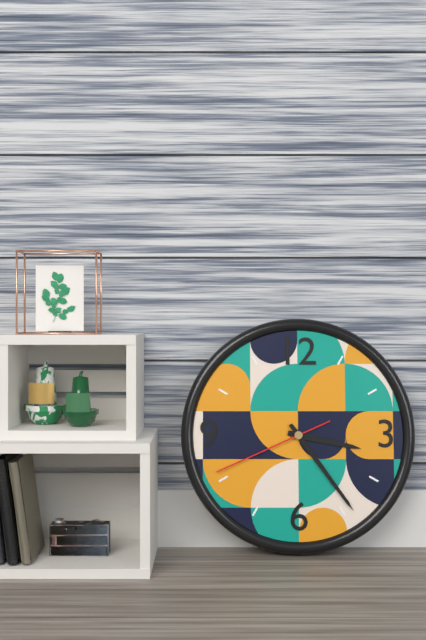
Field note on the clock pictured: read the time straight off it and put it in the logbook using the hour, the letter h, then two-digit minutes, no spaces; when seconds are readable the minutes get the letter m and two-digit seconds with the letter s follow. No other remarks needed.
3h24m41s
